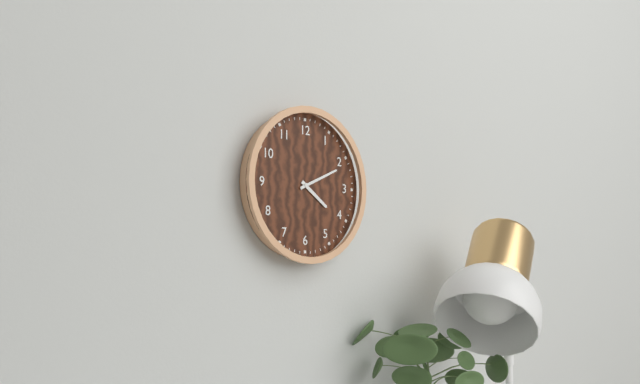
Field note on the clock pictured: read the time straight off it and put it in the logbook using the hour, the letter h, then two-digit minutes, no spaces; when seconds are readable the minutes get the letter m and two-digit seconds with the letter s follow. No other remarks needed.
4h11
